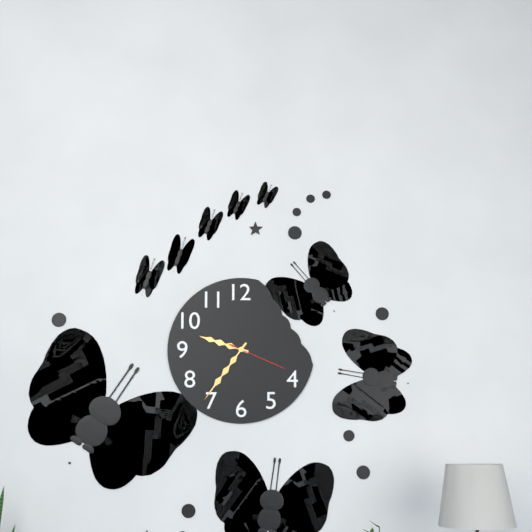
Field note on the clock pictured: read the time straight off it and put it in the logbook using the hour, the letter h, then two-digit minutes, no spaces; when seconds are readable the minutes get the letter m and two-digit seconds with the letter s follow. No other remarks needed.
9h36m19s
